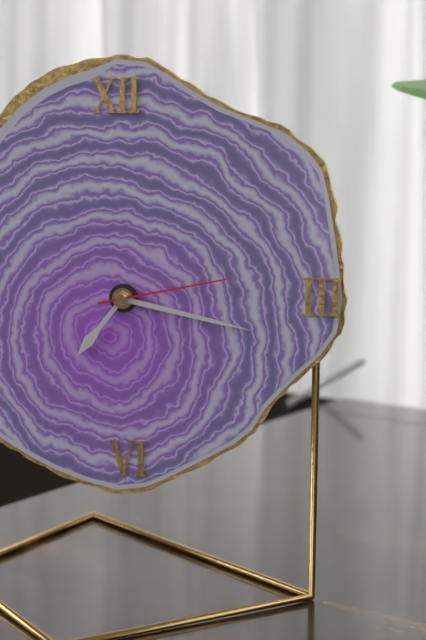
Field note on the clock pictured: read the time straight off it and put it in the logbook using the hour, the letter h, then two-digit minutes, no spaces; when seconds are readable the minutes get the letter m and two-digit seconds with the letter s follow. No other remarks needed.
7h17m13s
